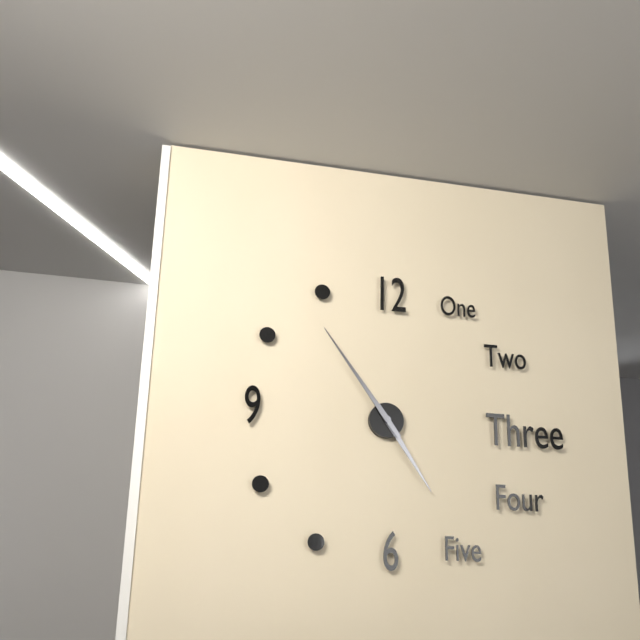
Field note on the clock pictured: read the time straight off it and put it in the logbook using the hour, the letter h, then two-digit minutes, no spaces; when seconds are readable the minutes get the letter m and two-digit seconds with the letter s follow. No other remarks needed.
4h54
